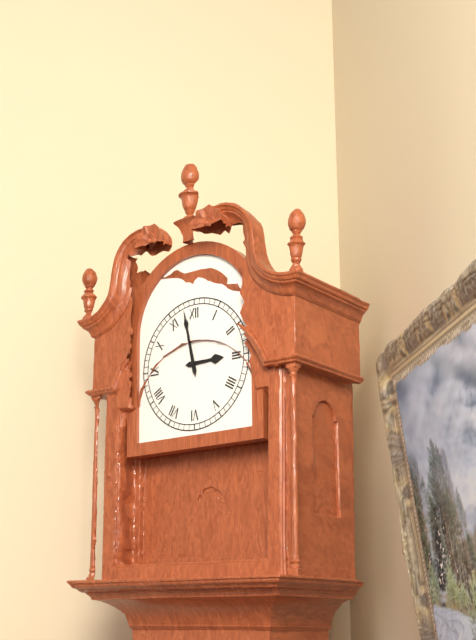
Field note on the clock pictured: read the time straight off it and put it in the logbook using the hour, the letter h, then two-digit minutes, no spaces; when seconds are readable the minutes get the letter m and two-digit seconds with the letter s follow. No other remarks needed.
2h58
